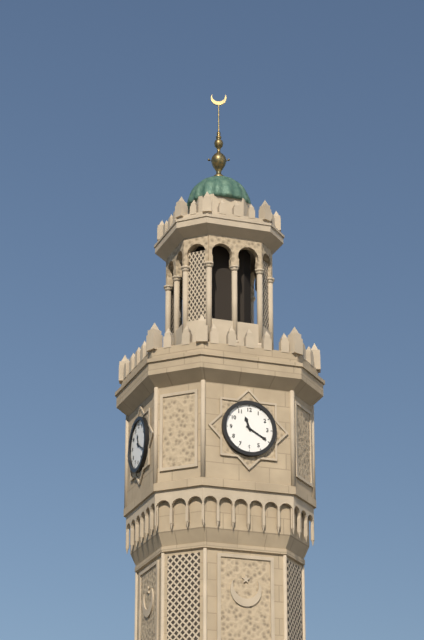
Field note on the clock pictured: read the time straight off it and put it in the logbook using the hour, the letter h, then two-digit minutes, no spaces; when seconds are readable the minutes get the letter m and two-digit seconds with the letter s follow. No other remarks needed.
11h20
